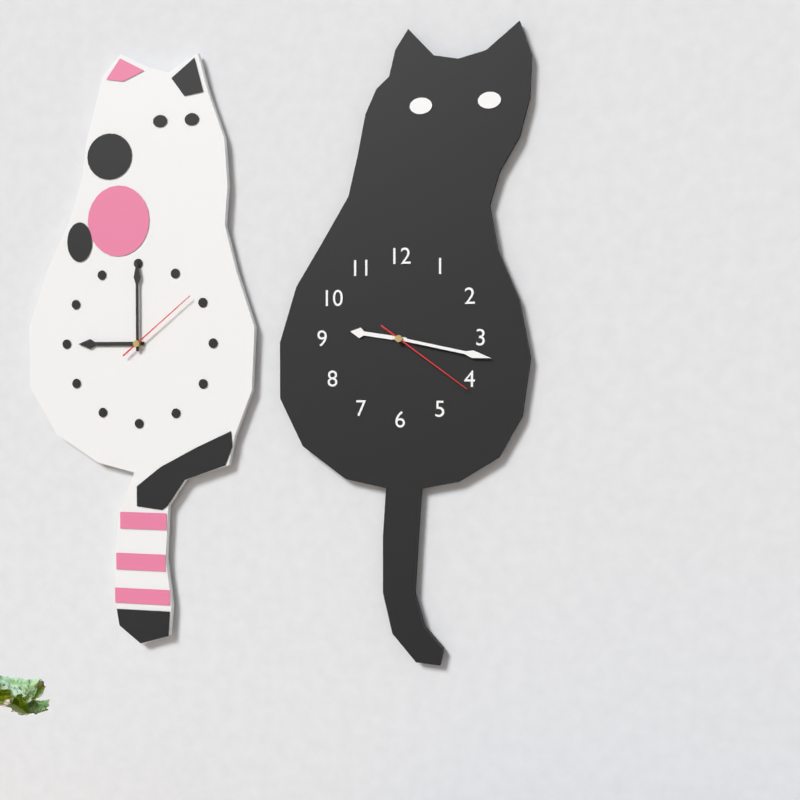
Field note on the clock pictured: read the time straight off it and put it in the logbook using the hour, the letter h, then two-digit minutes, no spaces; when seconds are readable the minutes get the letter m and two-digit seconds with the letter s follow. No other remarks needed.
9h17m21s
